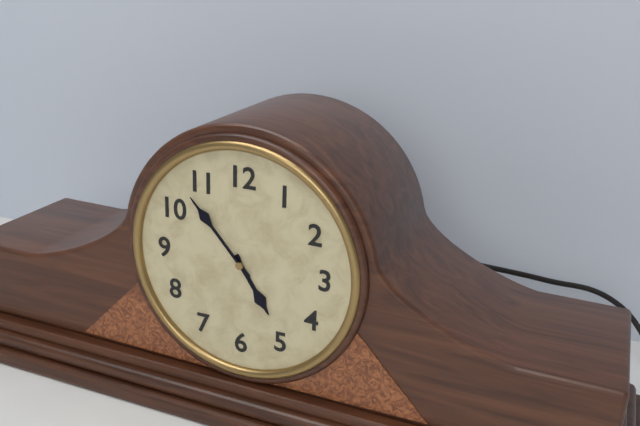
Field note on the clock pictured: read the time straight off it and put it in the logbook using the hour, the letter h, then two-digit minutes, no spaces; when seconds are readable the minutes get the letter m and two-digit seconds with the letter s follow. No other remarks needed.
4h53
